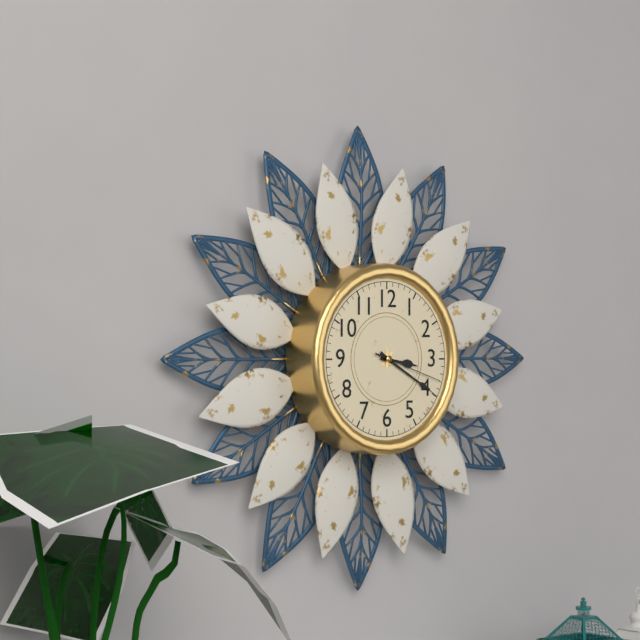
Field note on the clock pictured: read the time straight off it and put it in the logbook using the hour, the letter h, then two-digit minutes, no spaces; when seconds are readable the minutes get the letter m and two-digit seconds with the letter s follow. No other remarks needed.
3h20m18s
